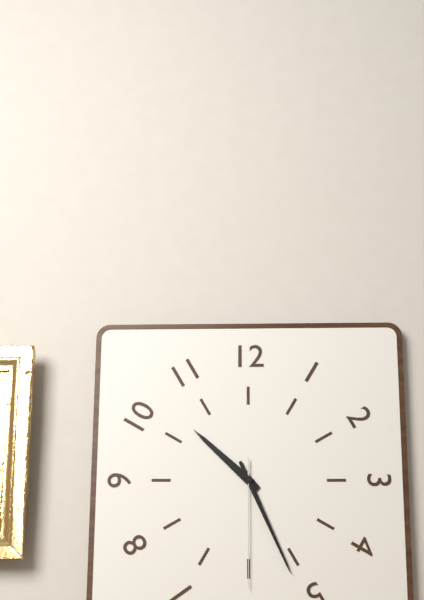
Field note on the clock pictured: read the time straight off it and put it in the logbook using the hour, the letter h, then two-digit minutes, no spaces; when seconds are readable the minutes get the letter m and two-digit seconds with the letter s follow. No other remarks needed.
10h26m30s
